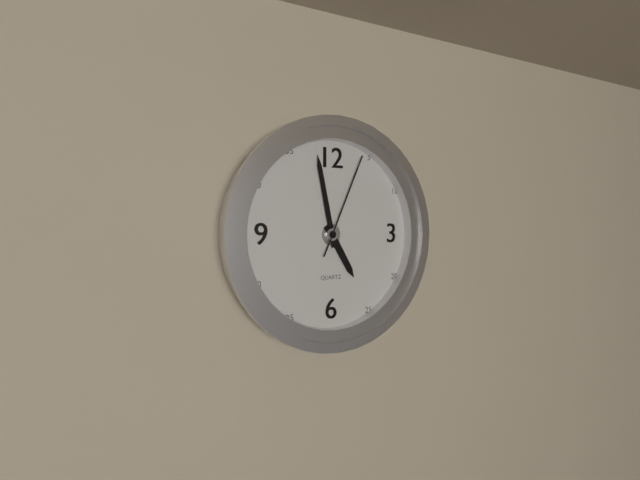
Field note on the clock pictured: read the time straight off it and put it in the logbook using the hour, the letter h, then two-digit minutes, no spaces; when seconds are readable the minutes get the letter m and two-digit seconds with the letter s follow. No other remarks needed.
4h58m04s
